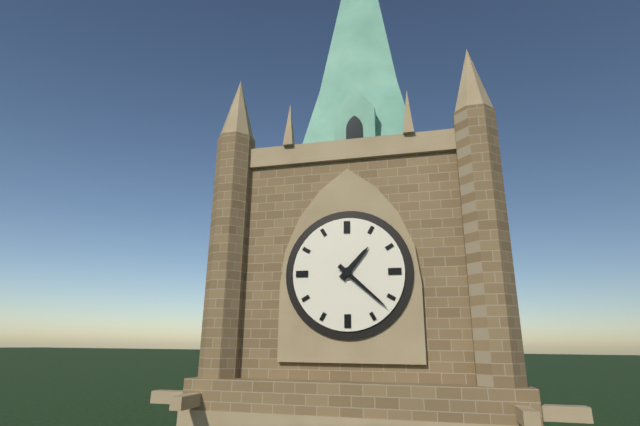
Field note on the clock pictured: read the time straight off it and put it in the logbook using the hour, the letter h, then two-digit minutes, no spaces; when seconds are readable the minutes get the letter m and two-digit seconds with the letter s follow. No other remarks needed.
1h22
